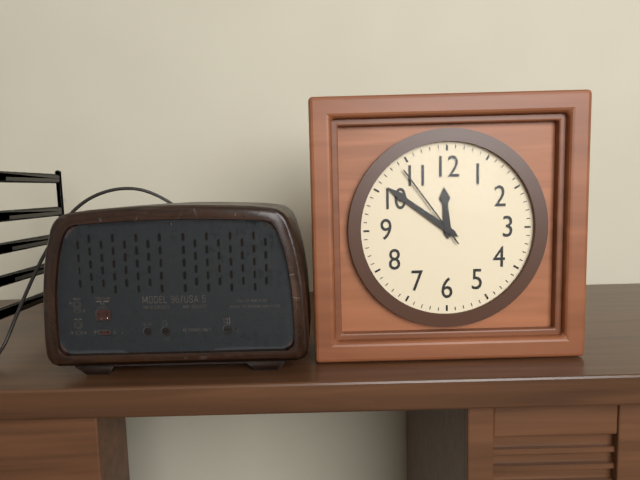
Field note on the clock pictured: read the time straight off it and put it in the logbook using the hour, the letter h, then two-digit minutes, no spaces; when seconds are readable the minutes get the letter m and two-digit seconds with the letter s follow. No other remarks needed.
11h51m54s
